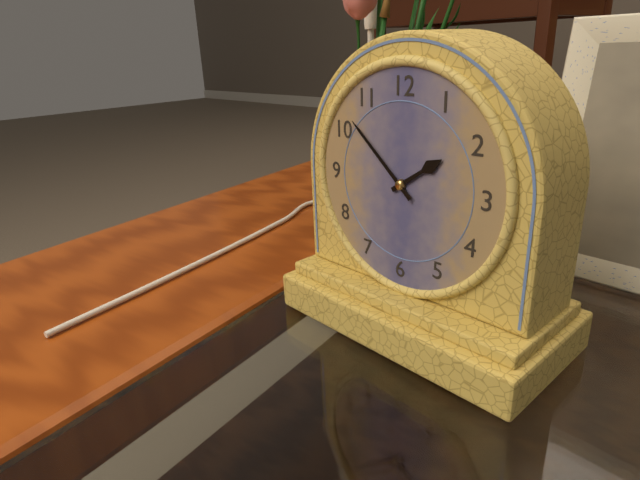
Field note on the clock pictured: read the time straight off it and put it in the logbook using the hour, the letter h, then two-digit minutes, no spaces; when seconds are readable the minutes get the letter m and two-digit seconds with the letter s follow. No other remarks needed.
1h52
